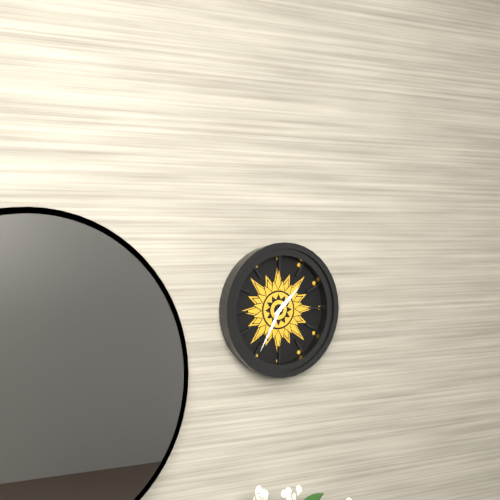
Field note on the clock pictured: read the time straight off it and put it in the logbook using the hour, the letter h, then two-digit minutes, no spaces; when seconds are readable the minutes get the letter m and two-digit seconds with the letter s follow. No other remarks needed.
1h35
